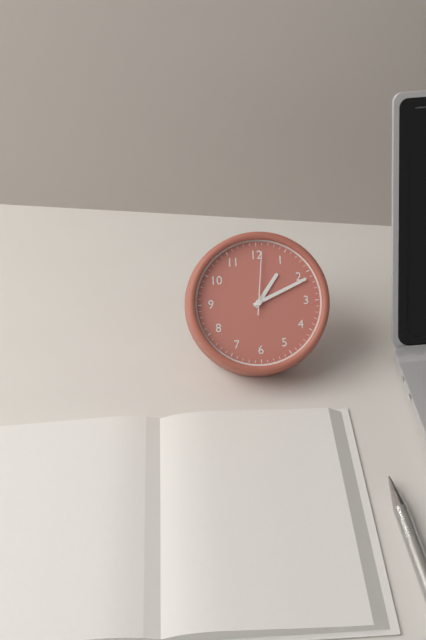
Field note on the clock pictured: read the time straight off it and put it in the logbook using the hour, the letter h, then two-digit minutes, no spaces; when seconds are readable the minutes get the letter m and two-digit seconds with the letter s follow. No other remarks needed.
1h11m01s
